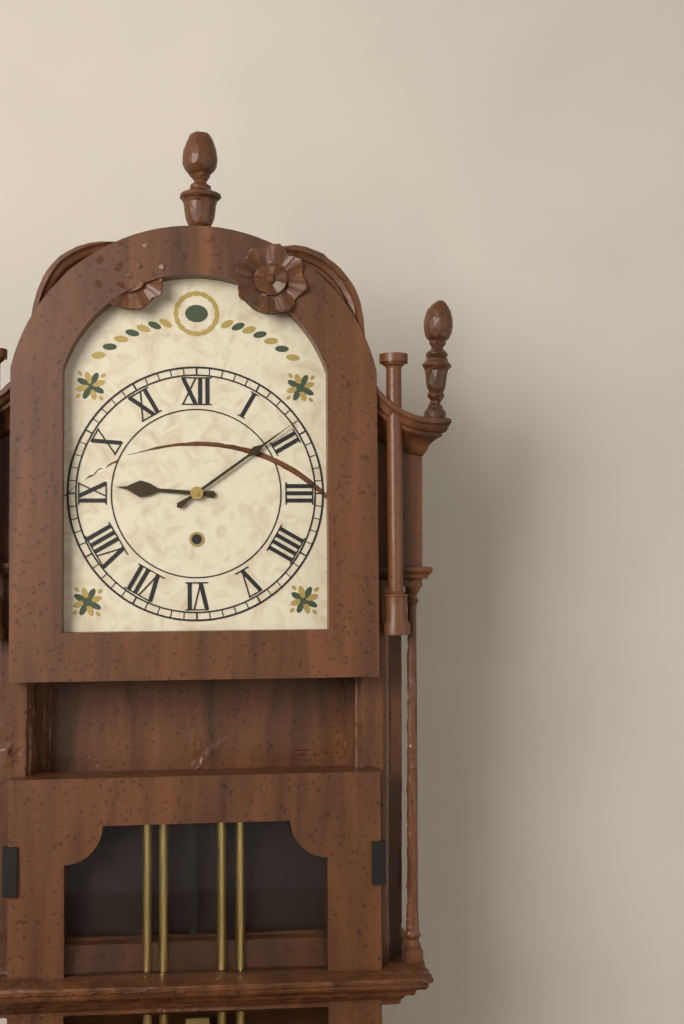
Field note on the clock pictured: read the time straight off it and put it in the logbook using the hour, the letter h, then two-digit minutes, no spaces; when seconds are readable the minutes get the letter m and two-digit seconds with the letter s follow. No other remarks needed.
9h09
